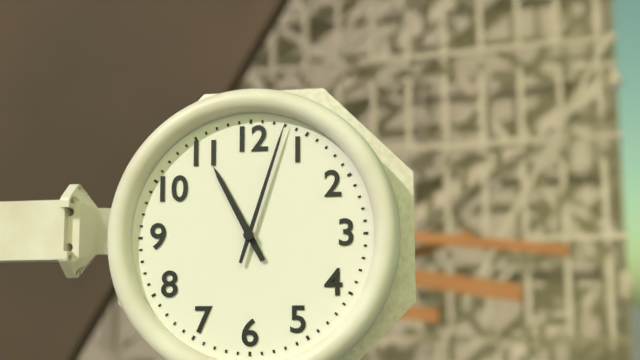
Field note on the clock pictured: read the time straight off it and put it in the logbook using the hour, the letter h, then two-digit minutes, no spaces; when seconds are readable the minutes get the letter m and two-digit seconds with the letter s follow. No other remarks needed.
11h03
